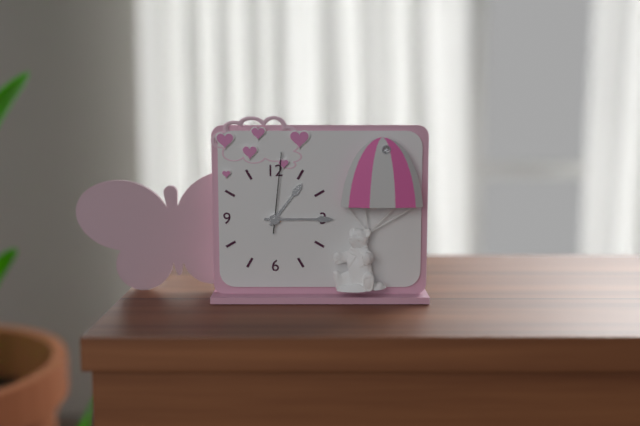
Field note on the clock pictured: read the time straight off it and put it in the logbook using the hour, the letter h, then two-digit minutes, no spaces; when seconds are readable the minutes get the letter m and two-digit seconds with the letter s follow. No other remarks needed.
1h15m01s
